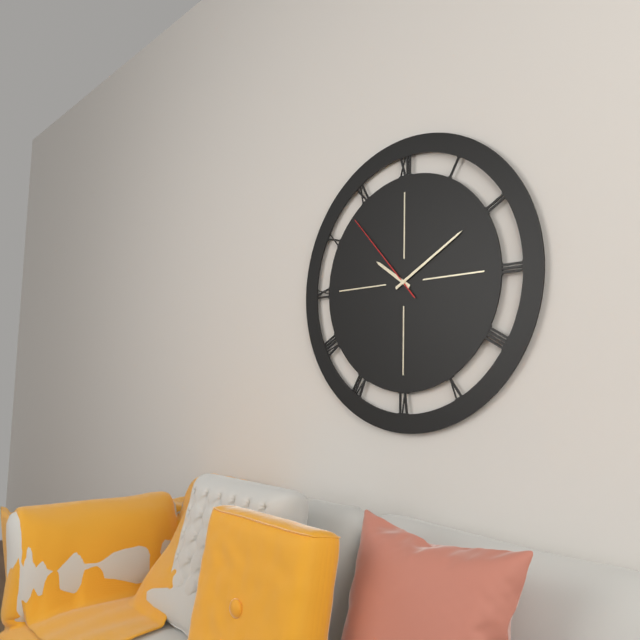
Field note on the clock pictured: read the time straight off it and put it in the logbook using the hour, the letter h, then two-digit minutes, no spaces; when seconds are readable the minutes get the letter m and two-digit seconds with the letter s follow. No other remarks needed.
10h10m53s
